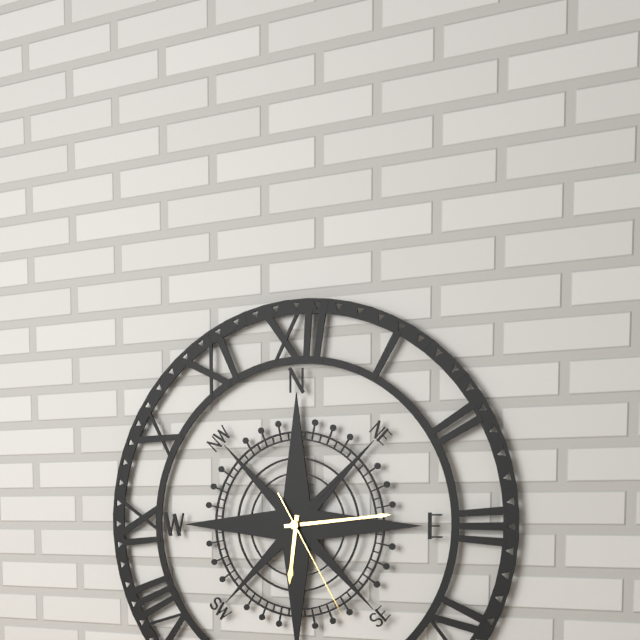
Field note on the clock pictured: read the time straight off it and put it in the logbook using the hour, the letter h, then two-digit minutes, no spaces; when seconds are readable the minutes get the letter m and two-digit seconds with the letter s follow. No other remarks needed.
6h14m25s
